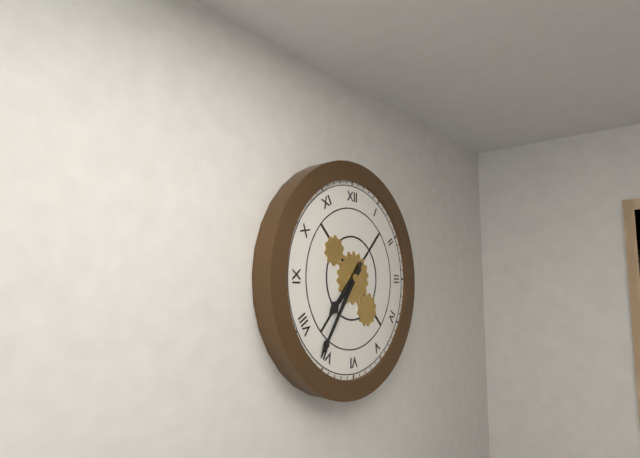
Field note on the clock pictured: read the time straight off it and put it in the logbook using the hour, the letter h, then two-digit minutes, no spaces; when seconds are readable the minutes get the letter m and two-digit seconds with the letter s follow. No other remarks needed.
7h36
